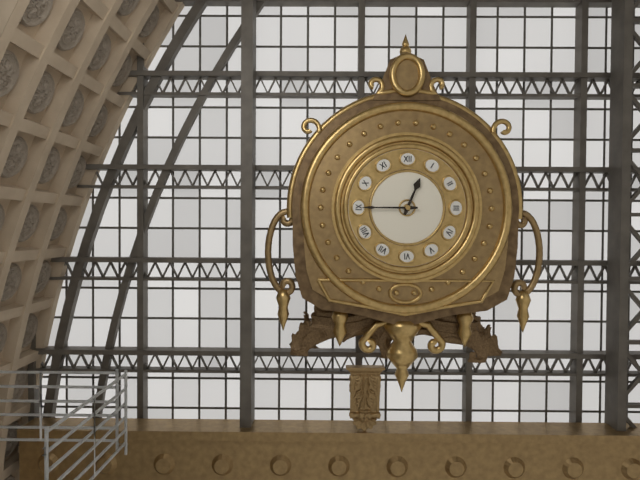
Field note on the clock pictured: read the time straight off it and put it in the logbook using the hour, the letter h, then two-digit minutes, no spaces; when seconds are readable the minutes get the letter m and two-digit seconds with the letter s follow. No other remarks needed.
12h45
